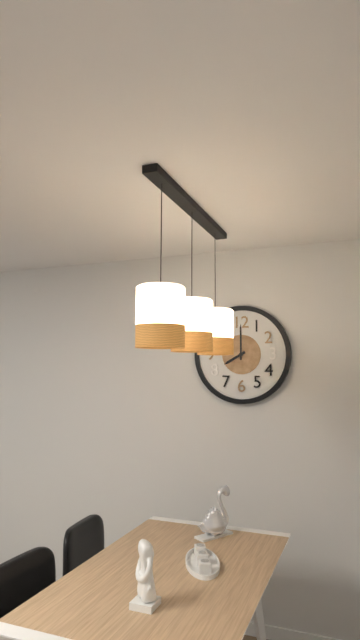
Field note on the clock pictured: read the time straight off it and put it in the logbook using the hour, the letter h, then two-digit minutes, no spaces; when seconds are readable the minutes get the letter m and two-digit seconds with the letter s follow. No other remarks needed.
8h00
